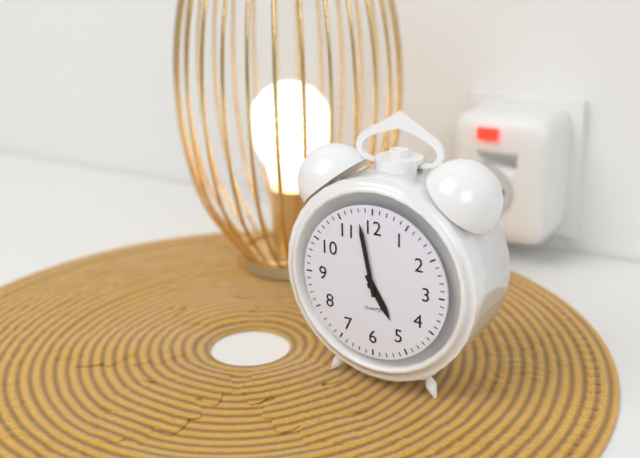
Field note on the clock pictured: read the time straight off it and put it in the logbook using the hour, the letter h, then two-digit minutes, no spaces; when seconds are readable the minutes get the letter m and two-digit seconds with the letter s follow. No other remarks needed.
4h58
